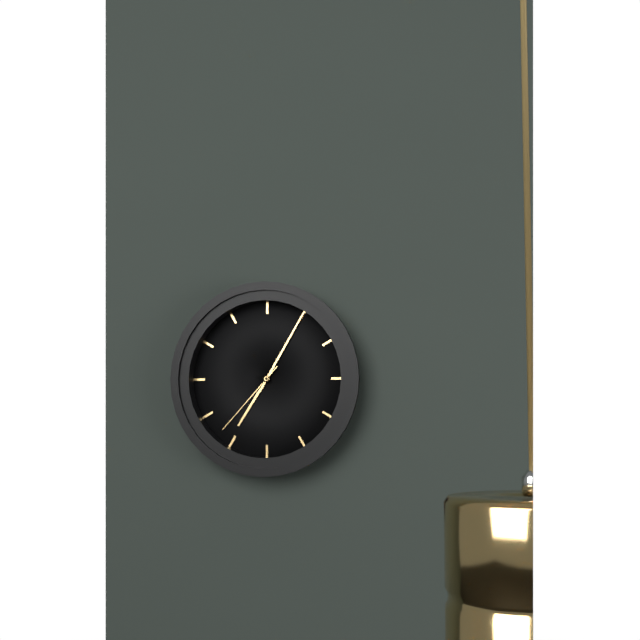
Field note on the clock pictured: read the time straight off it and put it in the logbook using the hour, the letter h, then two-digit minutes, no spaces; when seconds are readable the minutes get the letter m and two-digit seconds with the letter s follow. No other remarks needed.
7h05m37s
